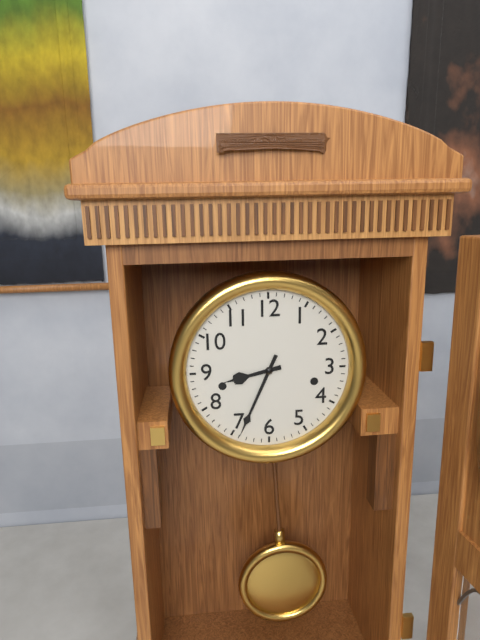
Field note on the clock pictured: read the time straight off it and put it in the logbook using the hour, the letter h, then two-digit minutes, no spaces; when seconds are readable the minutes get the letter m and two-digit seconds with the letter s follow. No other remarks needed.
8h34
